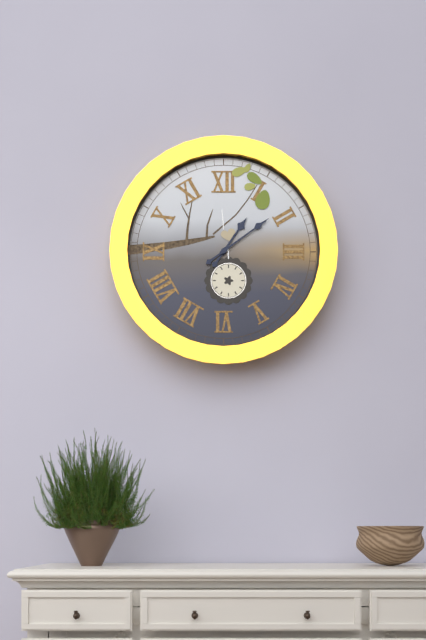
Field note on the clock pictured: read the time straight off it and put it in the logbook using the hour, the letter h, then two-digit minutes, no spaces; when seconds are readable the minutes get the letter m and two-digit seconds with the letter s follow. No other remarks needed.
1h09
